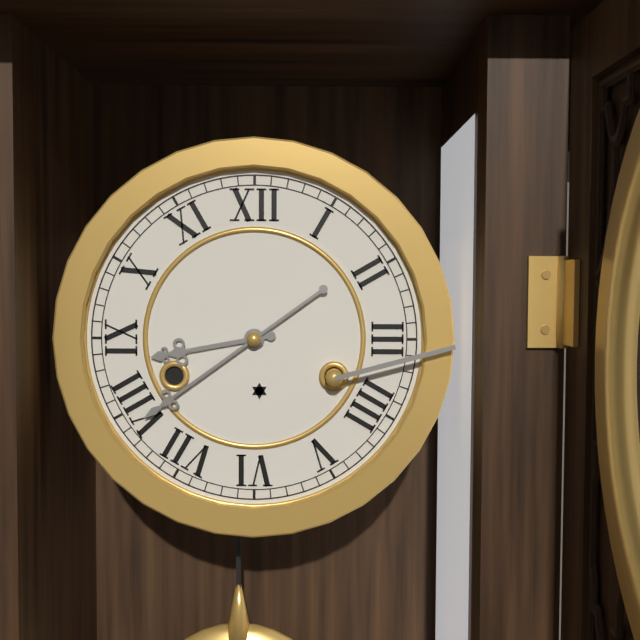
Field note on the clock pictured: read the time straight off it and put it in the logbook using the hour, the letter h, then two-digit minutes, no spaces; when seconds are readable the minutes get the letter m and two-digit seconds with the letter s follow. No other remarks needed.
8h39
